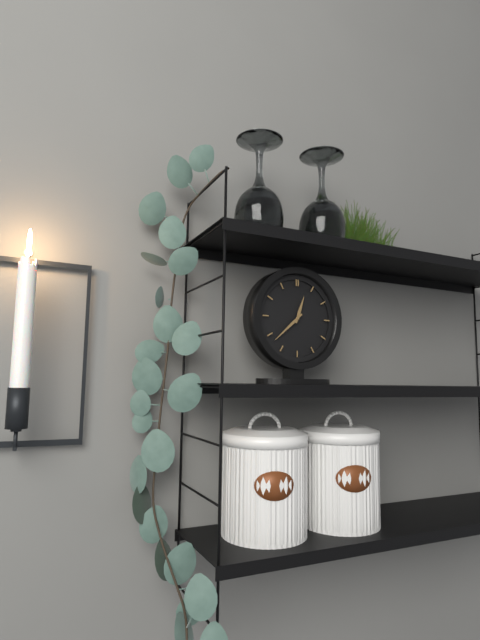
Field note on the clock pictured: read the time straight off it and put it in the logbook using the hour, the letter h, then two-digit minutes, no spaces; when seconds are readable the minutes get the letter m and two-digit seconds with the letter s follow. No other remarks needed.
12h38
